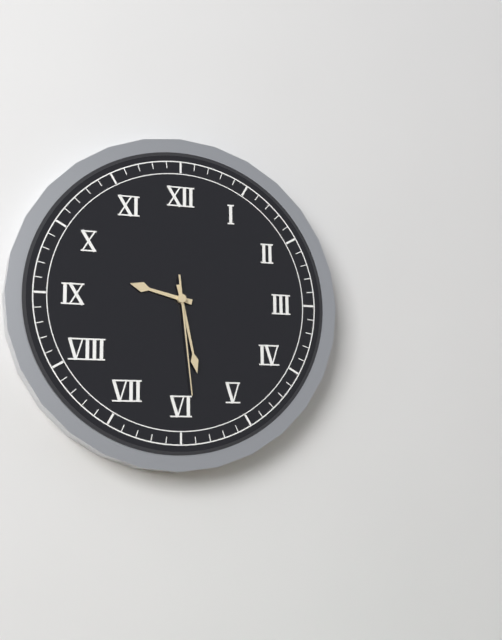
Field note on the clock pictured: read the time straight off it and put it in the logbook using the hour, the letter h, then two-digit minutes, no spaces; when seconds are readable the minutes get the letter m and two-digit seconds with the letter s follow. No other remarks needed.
9h28m29s
